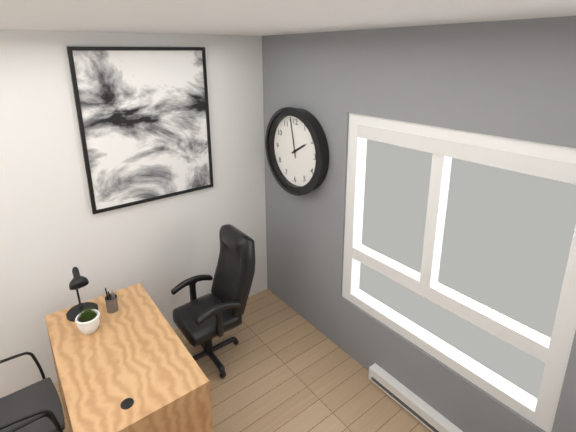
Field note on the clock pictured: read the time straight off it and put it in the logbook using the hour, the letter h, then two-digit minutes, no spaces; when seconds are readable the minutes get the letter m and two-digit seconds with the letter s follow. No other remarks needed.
1h58
